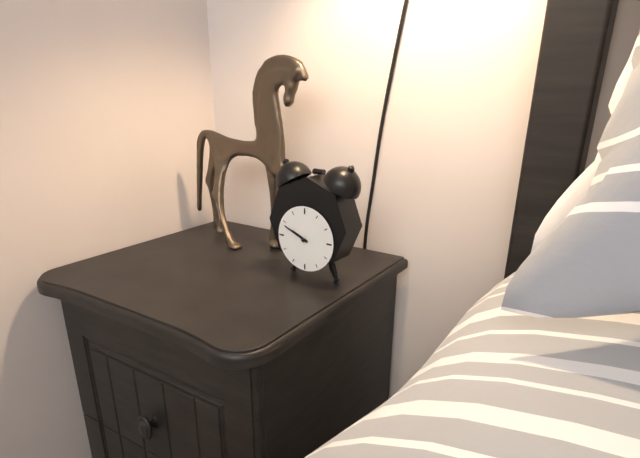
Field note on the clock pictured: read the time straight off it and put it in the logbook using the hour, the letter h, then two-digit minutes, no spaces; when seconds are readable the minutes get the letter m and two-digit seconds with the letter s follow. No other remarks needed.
9h49
